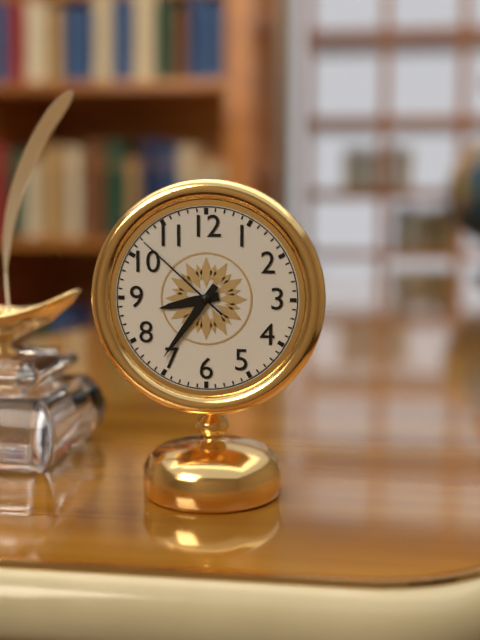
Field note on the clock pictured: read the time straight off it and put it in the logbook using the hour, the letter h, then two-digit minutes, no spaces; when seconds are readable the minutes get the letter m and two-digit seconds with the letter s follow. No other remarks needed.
8h36m52s
